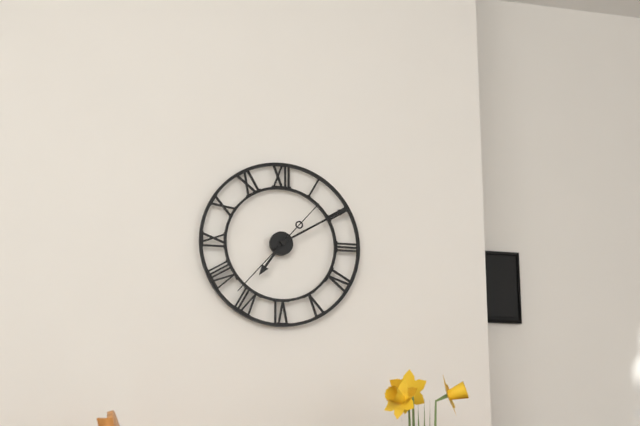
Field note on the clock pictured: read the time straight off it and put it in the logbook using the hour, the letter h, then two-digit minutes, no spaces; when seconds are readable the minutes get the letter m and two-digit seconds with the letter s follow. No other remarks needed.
7h10m37s
